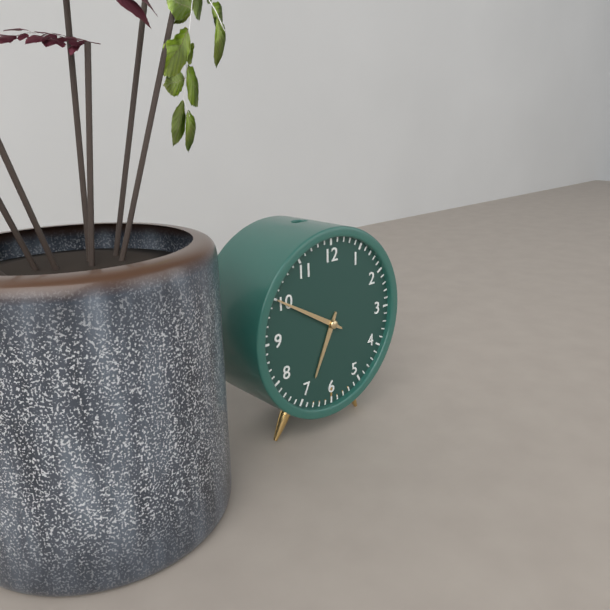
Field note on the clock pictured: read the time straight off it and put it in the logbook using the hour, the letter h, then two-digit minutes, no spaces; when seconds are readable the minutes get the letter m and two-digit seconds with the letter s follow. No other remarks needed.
6h50
